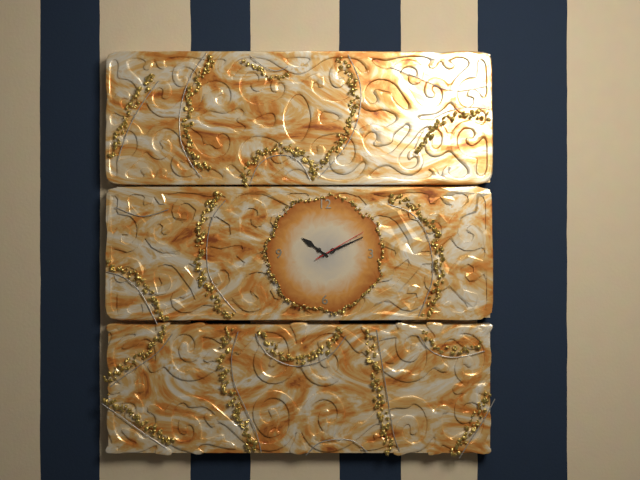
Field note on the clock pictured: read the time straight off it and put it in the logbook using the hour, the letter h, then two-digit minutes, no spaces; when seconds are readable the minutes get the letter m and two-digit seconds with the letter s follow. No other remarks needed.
10h11m10s
